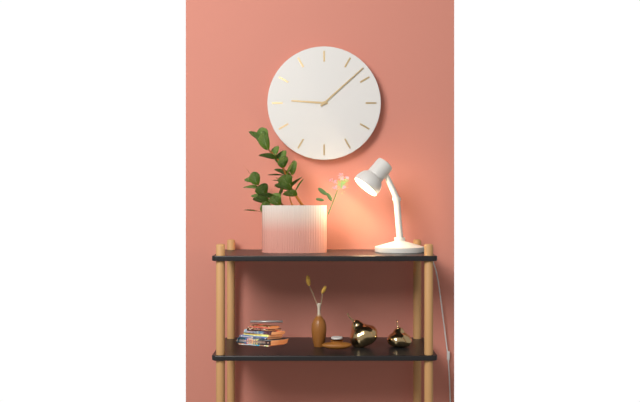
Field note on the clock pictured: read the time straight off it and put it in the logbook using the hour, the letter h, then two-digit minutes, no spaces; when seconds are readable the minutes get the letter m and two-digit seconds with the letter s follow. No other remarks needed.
9h08
